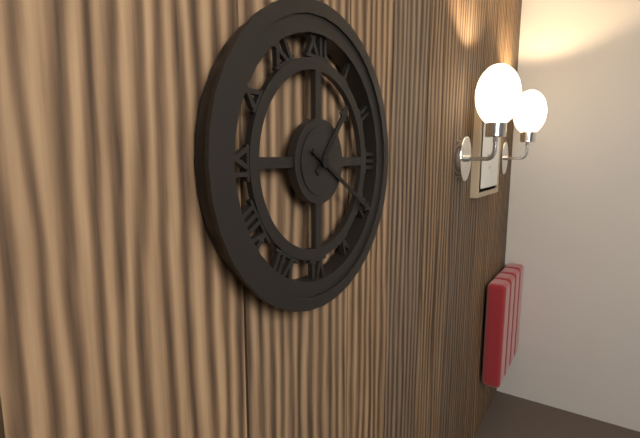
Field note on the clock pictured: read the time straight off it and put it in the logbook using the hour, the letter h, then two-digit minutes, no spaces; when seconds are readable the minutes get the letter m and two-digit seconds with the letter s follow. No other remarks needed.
1h20
